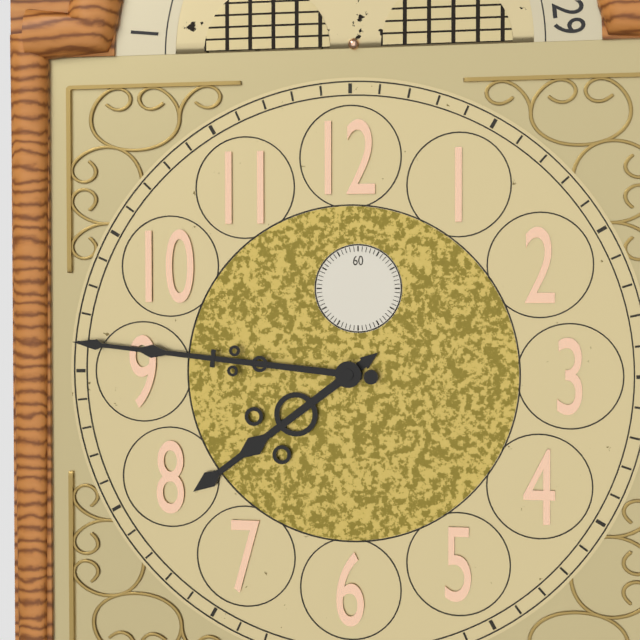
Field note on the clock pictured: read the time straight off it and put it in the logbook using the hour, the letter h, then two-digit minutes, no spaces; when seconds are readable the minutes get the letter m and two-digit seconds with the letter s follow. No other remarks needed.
7h46
